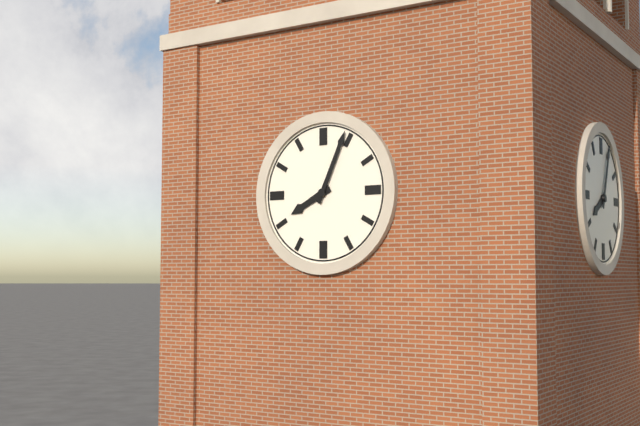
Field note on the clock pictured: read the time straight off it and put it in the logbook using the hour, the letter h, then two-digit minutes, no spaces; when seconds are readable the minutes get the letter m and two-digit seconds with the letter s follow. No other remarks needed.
8h04
